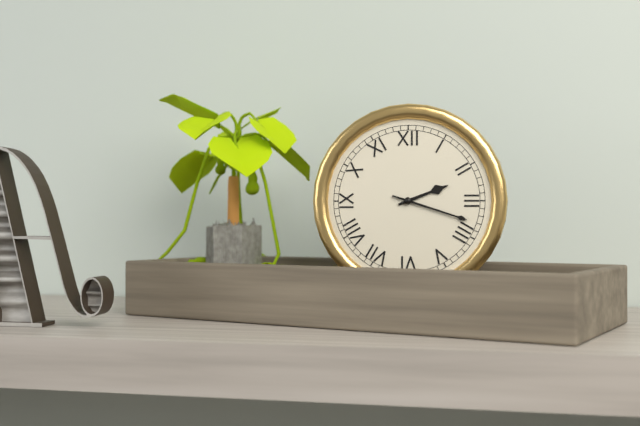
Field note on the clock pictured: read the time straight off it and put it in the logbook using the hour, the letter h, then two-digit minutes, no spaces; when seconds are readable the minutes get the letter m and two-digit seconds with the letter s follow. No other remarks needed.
2h18
